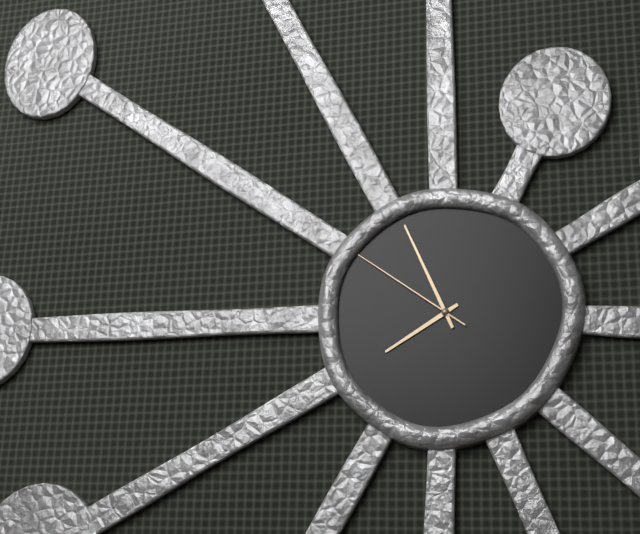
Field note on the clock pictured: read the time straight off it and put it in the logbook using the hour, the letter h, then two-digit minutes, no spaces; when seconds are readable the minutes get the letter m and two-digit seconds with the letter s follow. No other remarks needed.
7h56m51s
